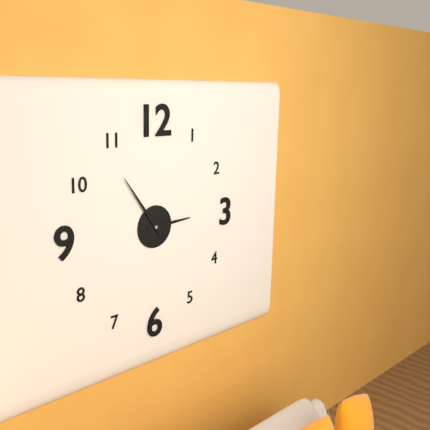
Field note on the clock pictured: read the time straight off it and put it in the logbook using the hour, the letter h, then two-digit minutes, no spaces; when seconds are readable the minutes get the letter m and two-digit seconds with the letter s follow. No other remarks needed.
2h54
